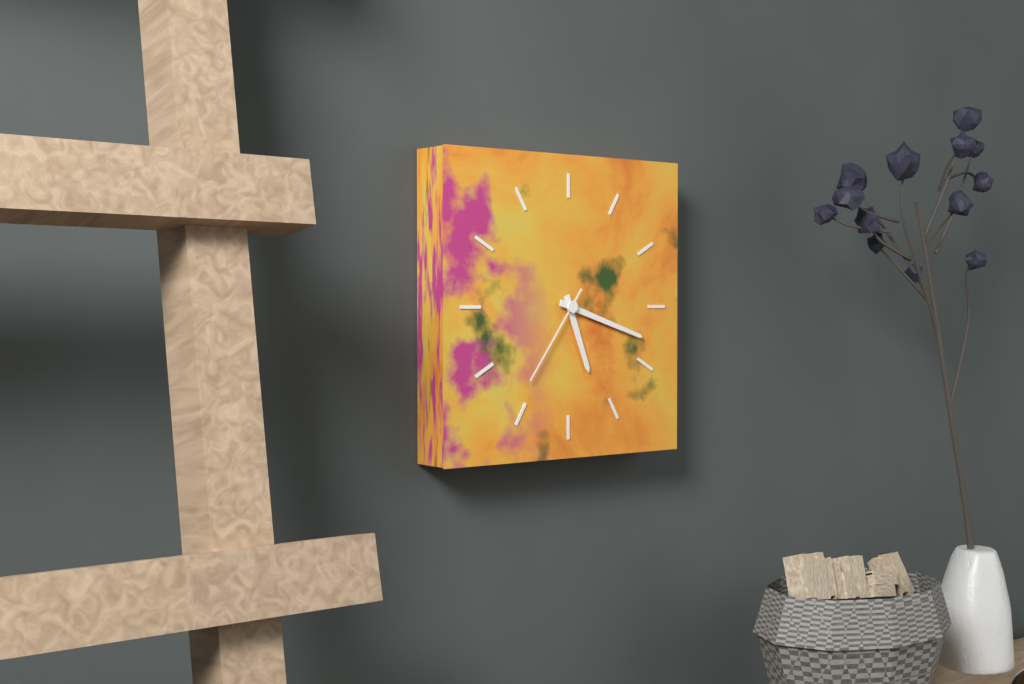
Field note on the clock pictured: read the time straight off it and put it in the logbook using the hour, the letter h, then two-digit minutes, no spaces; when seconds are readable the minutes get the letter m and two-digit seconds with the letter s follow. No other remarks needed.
5h18m36s
